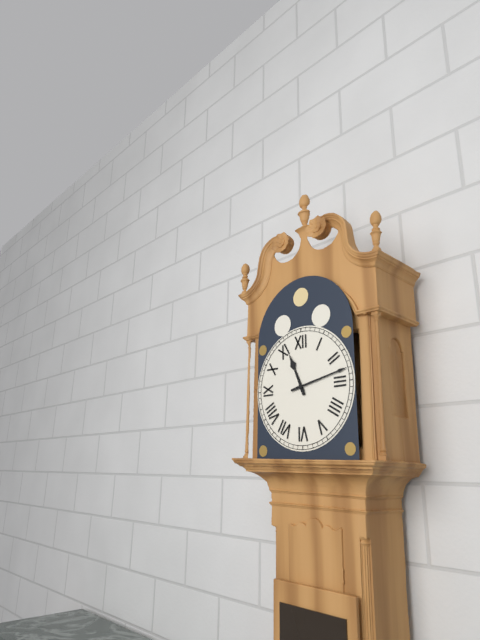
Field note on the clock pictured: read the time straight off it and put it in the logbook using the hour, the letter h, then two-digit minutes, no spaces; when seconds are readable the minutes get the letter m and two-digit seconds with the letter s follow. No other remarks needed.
11h13
